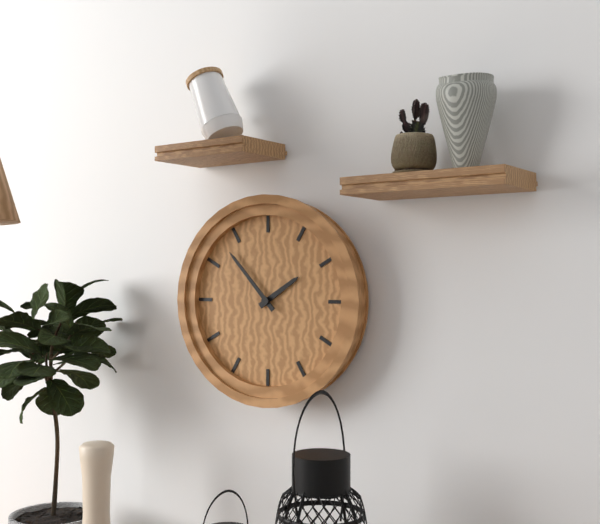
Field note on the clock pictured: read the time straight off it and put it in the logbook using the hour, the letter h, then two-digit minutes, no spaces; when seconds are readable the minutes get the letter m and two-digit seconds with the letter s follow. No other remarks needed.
1h53
